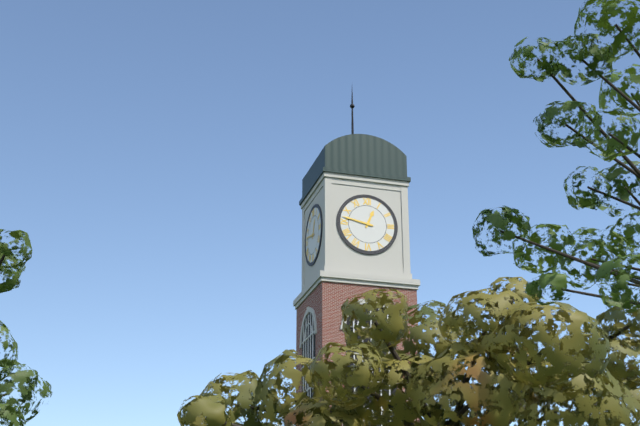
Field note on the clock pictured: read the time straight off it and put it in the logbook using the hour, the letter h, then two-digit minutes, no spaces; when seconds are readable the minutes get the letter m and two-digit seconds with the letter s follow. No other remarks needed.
12h47
